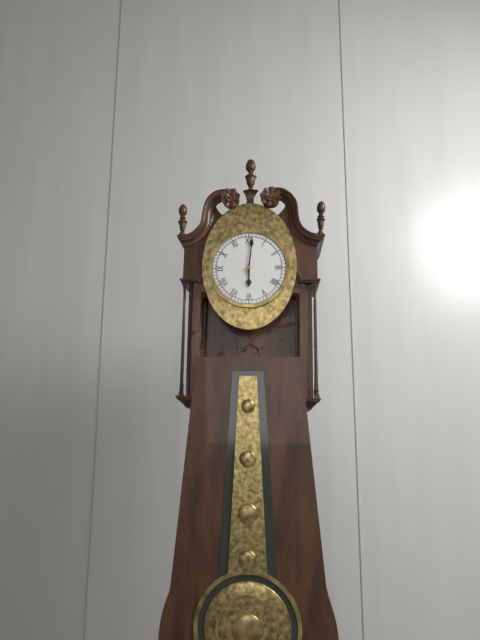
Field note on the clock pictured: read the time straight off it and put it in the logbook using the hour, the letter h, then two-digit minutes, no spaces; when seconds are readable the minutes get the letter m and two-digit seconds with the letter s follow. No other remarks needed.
6h01
